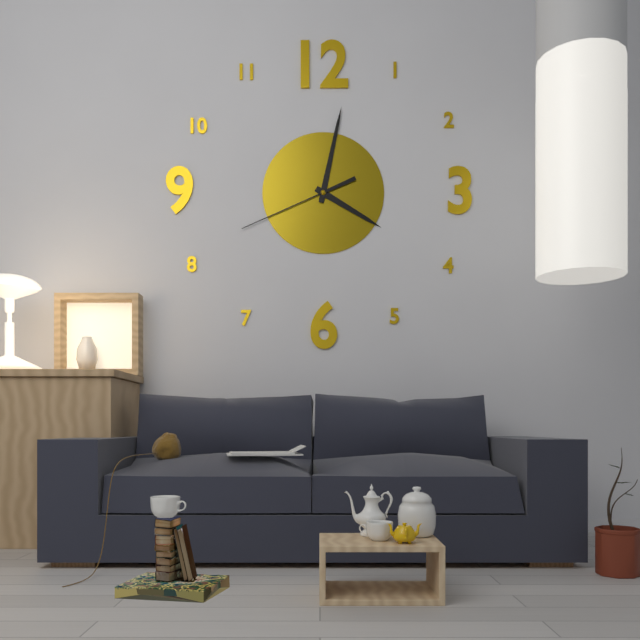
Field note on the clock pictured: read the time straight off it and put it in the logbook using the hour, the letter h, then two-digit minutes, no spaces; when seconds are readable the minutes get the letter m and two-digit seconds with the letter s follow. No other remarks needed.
4h02m41s
